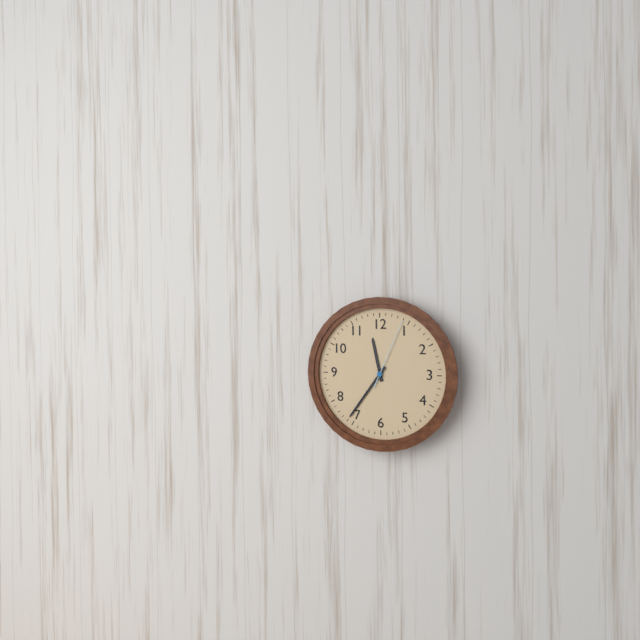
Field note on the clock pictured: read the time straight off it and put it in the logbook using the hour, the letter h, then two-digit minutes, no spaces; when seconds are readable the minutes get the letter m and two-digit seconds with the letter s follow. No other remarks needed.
11h36m04s
